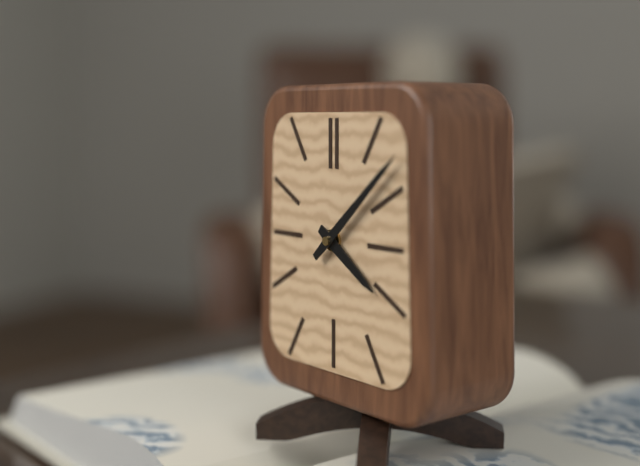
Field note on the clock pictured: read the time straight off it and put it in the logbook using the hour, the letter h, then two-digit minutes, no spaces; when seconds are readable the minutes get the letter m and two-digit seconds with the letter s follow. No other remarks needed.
4h08
